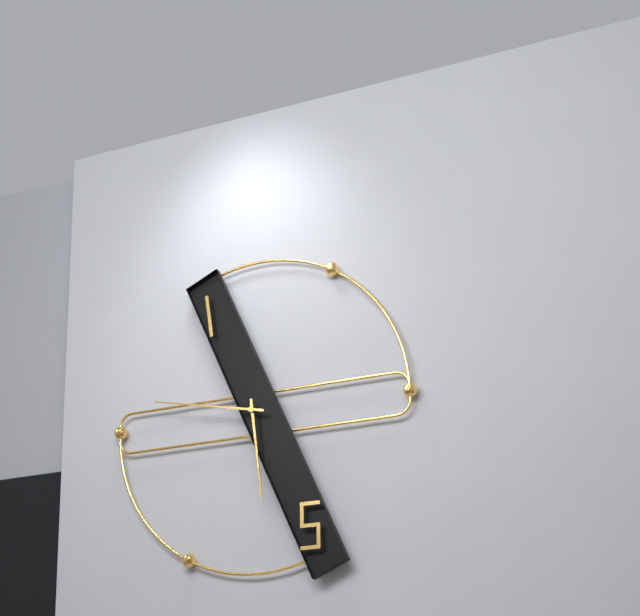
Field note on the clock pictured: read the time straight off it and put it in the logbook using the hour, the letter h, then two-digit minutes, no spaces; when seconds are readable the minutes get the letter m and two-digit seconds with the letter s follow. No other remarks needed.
5h47
